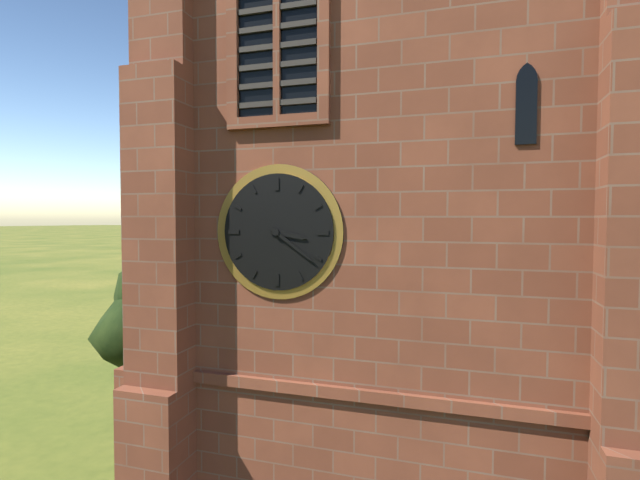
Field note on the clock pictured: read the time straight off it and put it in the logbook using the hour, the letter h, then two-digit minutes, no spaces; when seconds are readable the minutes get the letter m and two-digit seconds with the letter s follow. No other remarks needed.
3h21
